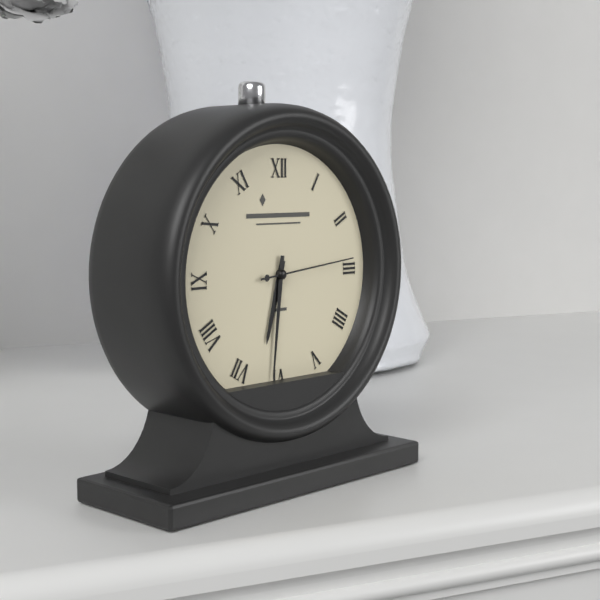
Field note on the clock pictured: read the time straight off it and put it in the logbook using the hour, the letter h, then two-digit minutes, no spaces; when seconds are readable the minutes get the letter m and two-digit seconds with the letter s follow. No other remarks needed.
6h31m14s
